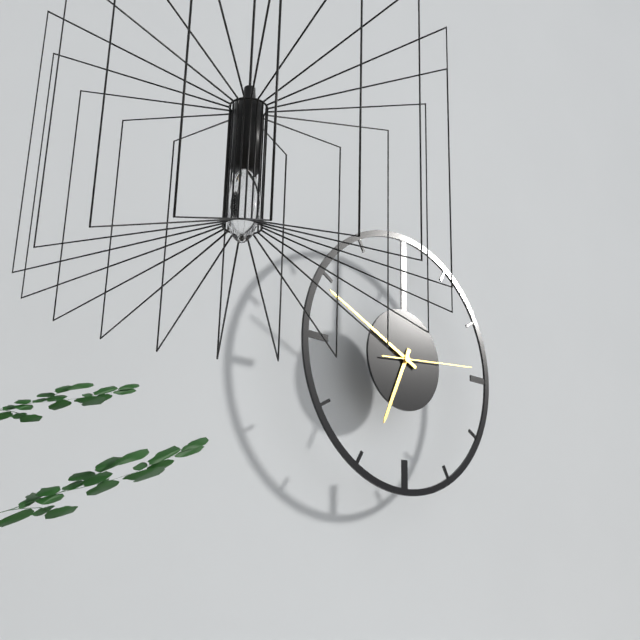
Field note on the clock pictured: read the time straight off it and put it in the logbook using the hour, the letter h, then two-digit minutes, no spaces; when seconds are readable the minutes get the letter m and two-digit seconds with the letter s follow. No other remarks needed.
6h49m14s
